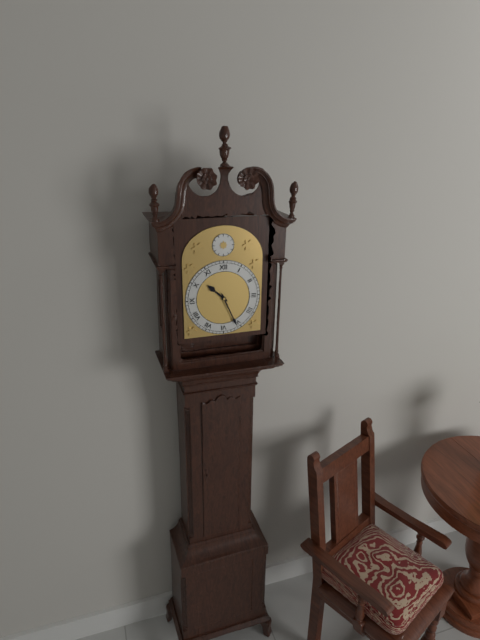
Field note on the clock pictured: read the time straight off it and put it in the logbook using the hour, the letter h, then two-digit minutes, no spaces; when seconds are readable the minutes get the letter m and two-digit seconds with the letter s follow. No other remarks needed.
10h26
